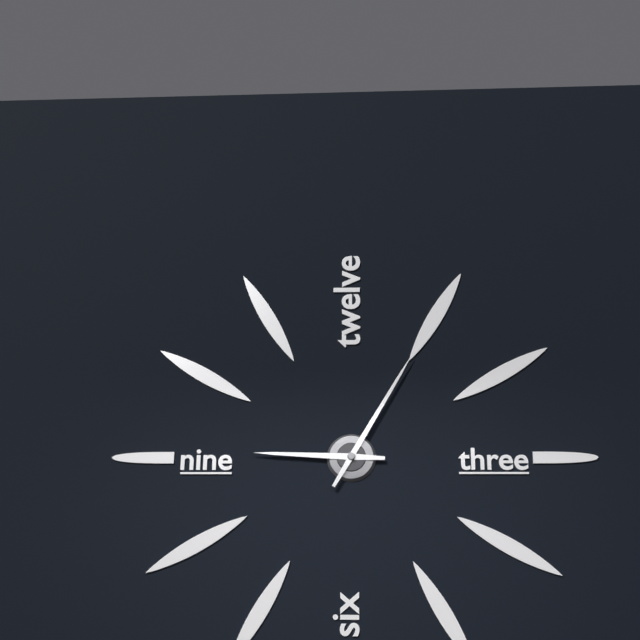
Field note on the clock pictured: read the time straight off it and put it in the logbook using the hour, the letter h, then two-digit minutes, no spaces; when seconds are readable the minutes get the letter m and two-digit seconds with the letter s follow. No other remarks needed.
9h05
